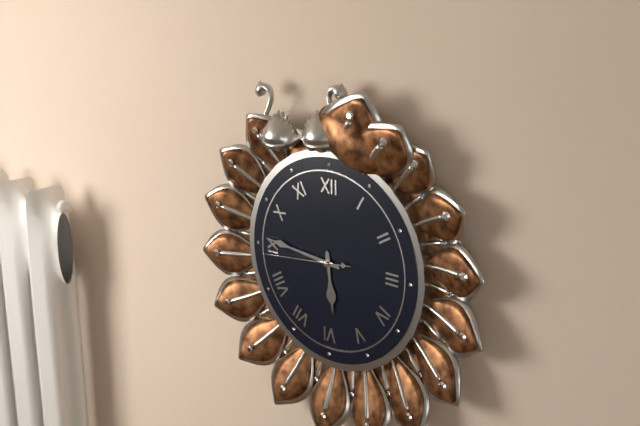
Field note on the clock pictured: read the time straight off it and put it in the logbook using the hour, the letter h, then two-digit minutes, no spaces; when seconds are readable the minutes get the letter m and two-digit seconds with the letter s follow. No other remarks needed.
5h46m44s
